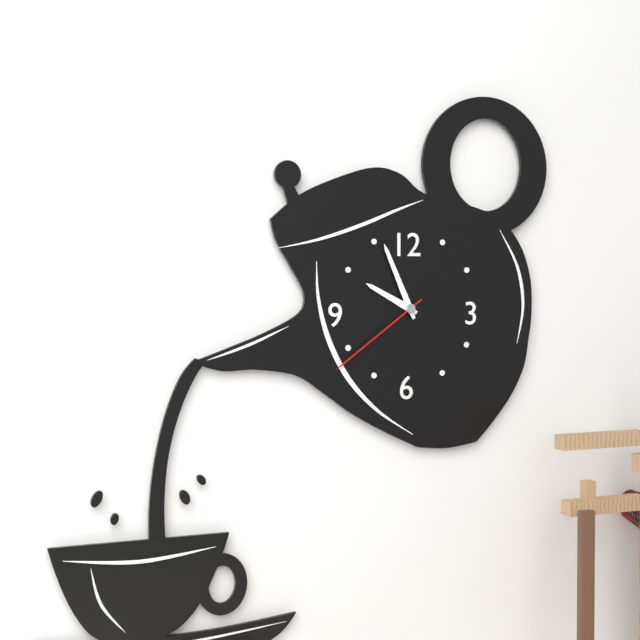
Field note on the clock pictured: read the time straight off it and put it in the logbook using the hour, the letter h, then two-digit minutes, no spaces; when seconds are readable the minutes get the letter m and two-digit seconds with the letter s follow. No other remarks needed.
9h56m39s
